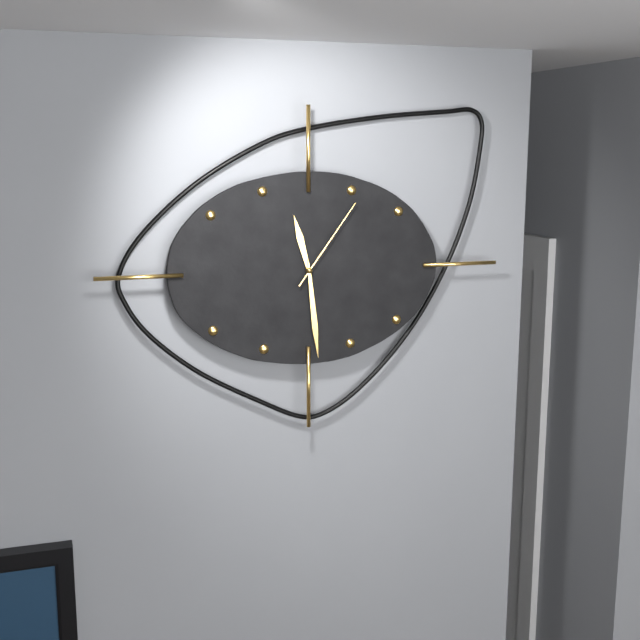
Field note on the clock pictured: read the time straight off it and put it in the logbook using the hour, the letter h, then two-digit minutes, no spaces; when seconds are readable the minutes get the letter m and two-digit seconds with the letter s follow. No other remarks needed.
11h29m06s
